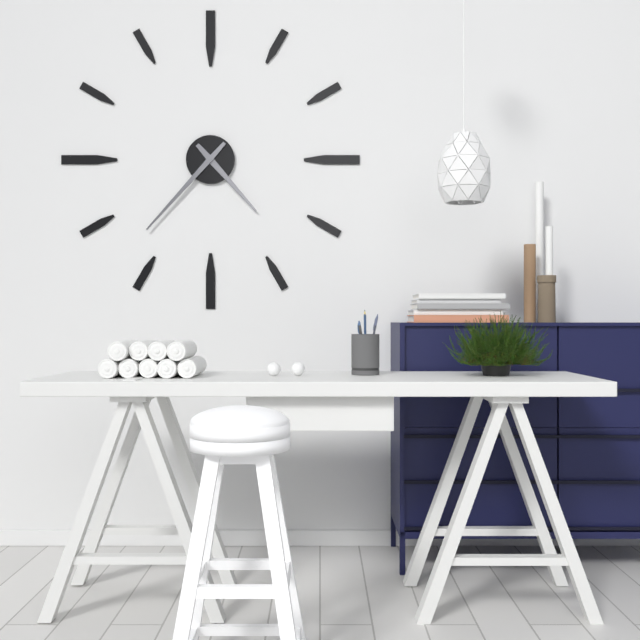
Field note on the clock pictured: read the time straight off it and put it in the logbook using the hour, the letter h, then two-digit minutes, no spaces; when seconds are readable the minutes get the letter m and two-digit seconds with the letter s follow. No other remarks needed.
4h37
